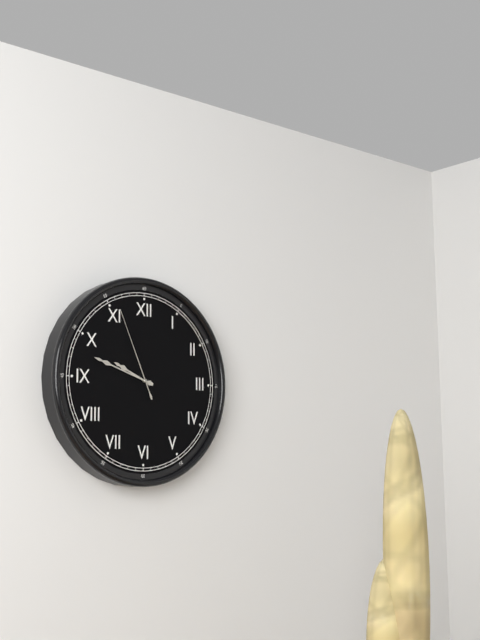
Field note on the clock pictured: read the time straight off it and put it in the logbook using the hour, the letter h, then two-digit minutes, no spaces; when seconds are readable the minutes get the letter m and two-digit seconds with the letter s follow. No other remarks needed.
9h48m56s
